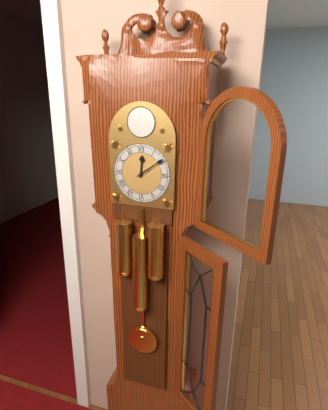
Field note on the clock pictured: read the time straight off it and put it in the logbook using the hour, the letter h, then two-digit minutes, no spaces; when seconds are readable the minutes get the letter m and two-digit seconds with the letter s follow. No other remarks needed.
12h09
